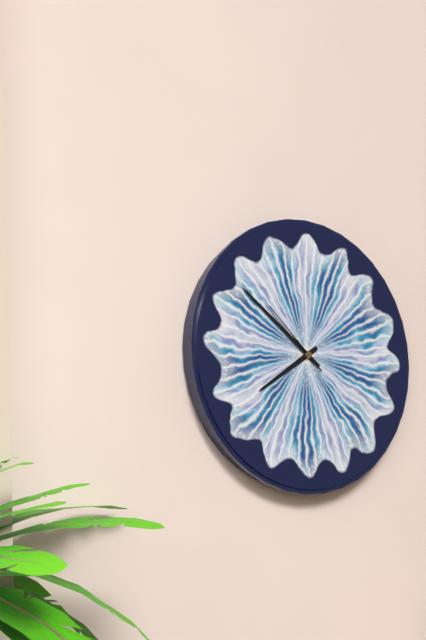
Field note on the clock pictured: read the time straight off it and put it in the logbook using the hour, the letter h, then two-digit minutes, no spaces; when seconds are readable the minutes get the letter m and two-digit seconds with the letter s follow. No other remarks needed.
7h51m52s
